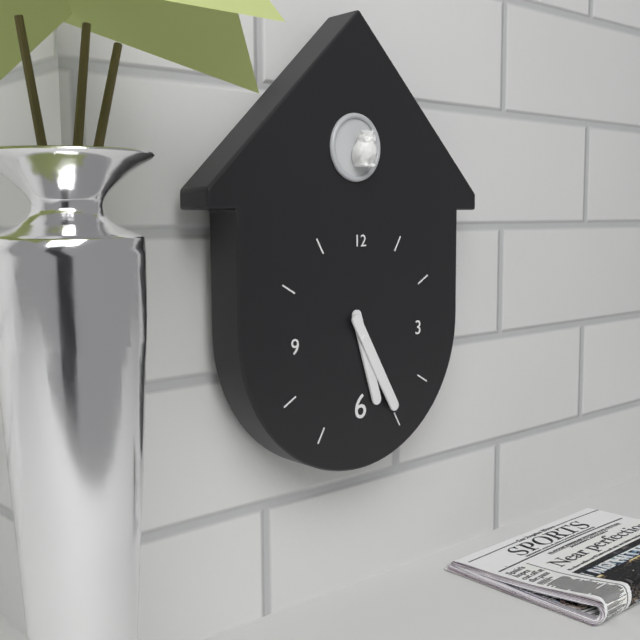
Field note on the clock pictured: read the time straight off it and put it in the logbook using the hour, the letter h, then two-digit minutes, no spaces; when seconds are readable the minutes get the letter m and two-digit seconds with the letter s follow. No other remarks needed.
5h25
